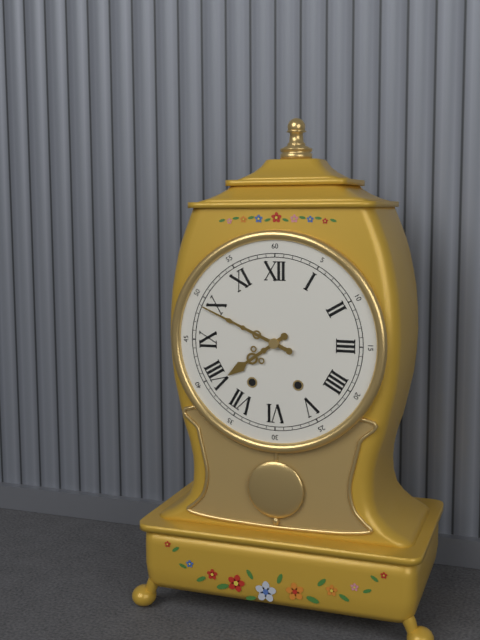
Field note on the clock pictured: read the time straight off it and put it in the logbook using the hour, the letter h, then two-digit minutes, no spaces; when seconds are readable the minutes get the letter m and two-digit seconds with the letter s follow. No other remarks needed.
7h49
